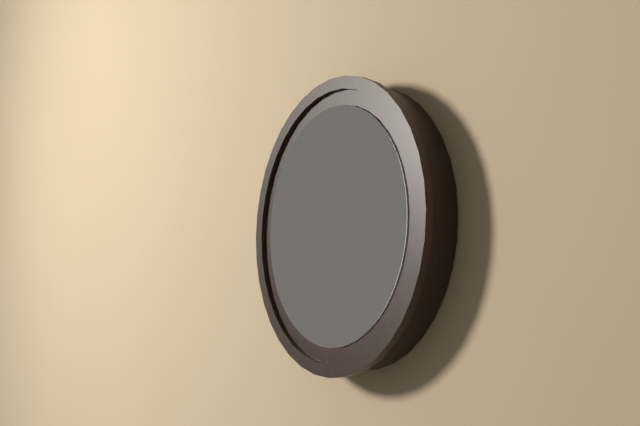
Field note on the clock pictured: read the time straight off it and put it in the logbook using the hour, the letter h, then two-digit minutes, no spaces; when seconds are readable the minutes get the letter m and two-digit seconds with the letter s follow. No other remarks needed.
4h37
